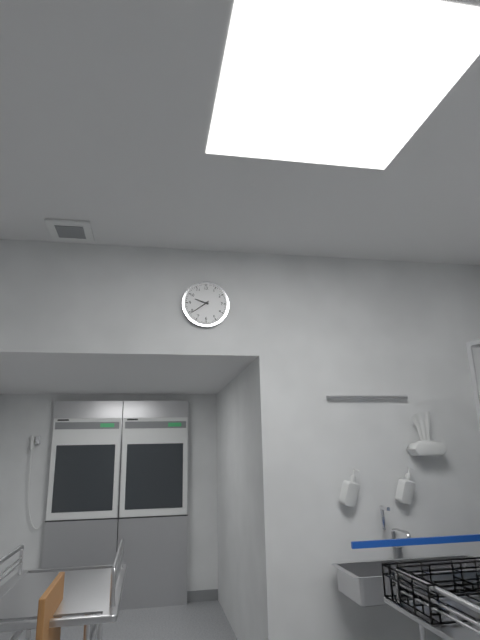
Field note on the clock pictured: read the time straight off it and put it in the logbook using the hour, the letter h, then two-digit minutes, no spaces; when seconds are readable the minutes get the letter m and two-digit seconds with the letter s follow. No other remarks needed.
9h39
